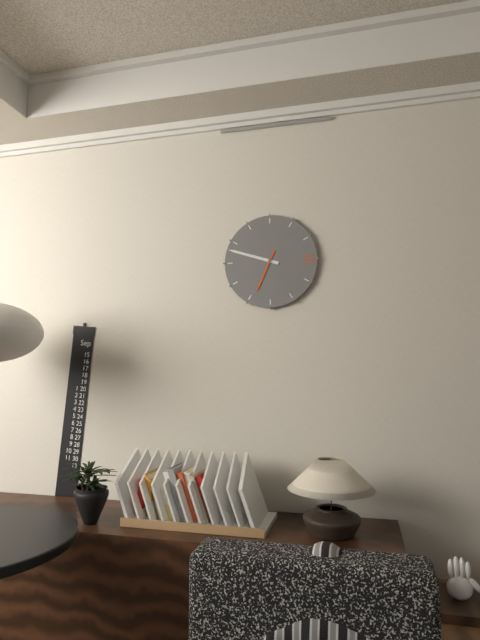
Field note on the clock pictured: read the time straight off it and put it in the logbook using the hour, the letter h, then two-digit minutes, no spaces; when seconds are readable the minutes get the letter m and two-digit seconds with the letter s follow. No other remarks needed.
6h48
